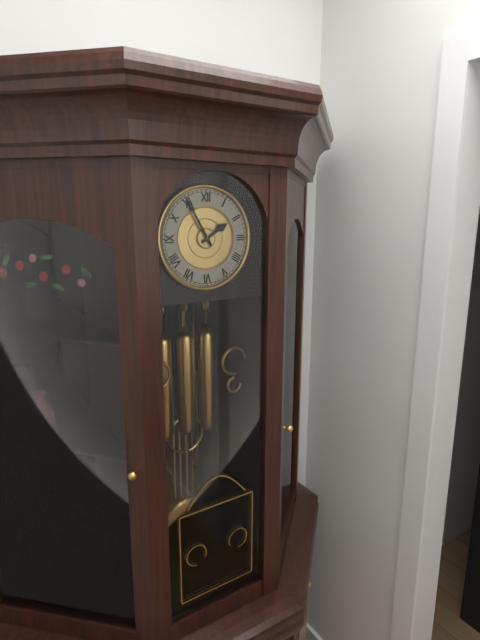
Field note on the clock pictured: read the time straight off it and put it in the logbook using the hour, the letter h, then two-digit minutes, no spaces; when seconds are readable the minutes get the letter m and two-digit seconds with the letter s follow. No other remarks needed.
1h55
